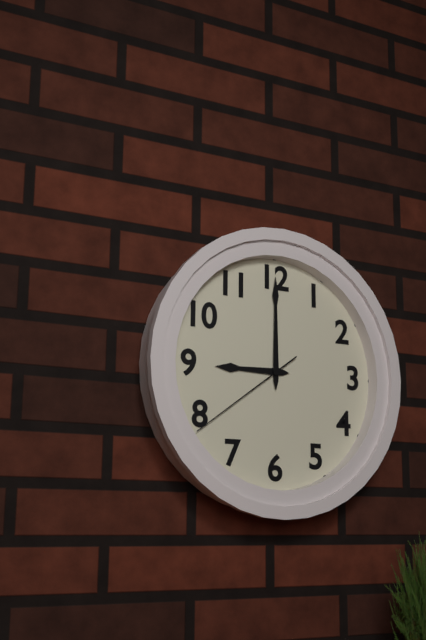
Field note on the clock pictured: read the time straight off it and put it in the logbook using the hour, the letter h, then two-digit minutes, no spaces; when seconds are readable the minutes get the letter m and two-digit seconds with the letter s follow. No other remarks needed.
9h00m39s
